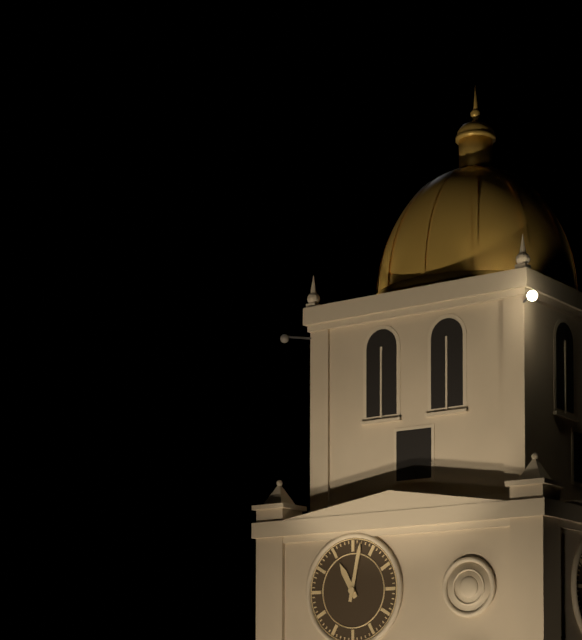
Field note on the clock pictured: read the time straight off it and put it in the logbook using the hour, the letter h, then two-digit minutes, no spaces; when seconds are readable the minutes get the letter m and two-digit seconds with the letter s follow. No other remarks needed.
11h02
